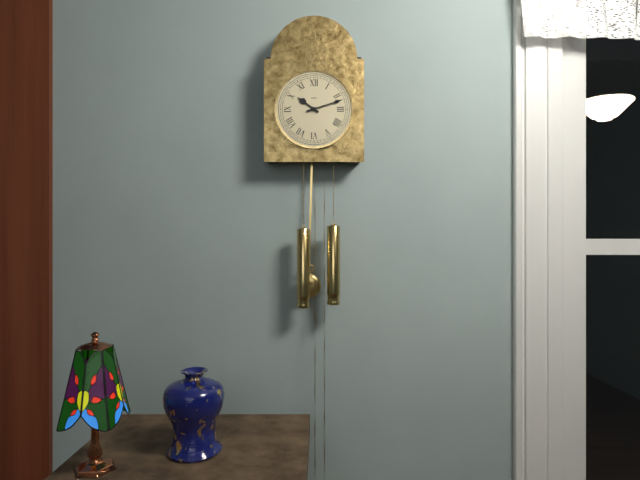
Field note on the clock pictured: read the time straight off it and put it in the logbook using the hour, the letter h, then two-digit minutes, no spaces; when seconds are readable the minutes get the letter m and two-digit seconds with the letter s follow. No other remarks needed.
10h12
